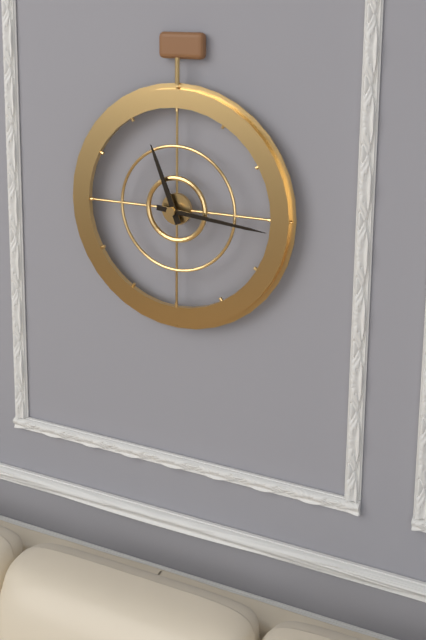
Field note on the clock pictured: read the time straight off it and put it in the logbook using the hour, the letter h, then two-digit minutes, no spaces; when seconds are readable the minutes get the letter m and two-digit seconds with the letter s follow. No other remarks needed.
11h16
